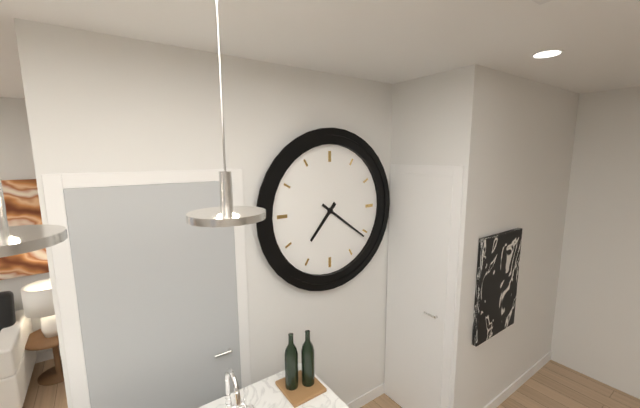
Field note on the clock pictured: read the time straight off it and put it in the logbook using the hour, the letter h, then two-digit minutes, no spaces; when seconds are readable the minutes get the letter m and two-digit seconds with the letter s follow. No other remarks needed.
7h21
